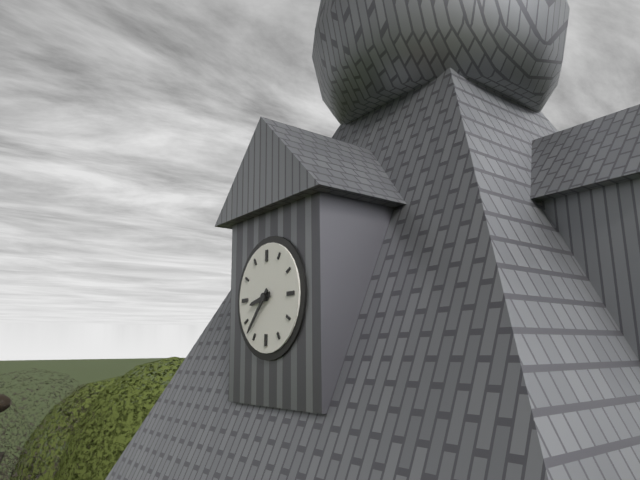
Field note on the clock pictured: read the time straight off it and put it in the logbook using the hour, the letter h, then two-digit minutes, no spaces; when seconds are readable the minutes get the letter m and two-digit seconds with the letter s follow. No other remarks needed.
8h37
